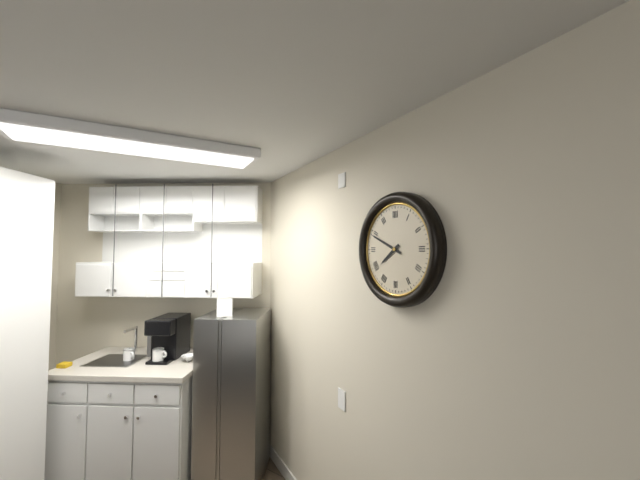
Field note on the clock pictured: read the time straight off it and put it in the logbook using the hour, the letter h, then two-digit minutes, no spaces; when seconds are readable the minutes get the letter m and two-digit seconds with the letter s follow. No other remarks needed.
7h49
